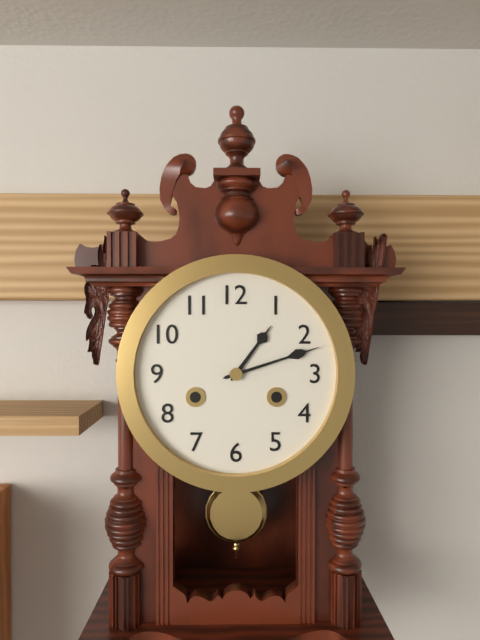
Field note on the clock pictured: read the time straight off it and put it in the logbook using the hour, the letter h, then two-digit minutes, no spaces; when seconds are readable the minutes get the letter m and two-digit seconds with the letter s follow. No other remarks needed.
1h12
